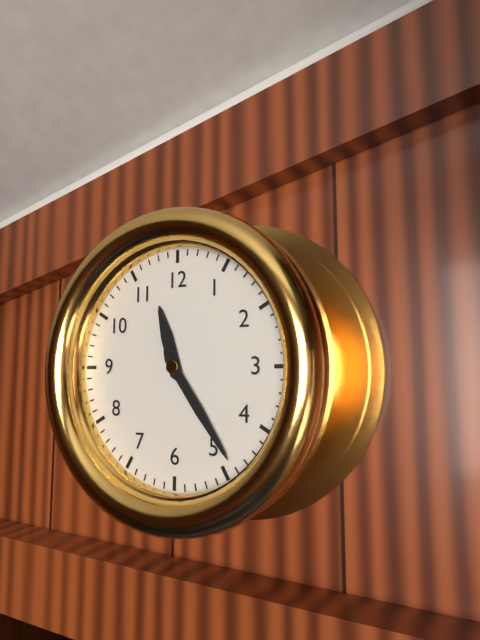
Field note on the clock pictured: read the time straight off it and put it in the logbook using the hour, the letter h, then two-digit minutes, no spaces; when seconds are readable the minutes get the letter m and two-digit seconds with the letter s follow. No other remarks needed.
11h24
